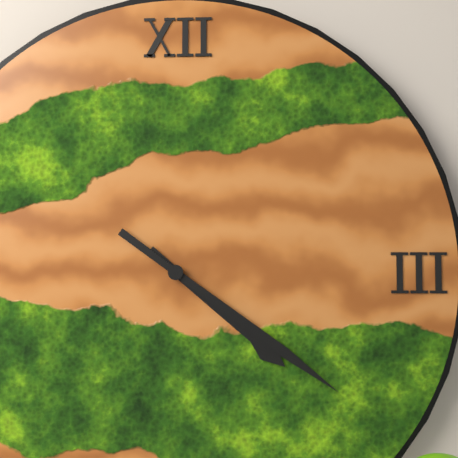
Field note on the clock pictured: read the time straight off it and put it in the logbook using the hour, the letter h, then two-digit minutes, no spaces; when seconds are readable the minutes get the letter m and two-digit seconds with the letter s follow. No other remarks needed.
4h21
